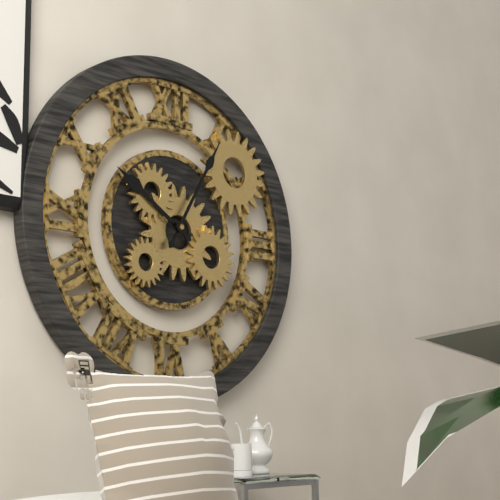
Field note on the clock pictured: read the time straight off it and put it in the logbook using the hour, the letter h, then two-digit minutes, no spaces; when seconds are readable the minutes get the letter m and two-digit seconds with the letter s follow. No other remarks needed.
10h05
